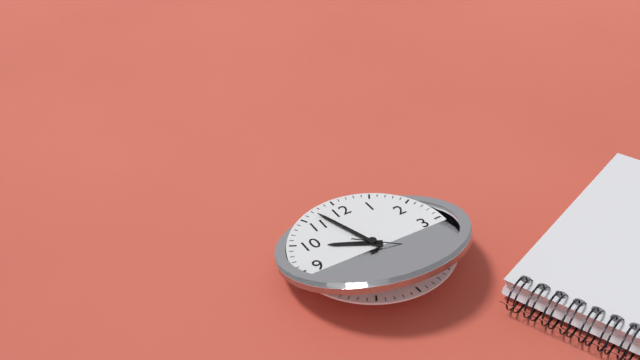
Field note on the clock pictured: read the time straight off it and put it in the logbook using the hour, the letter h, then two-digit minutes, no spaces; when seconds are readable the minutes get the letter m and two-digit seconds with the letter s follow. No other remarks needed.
9h57
